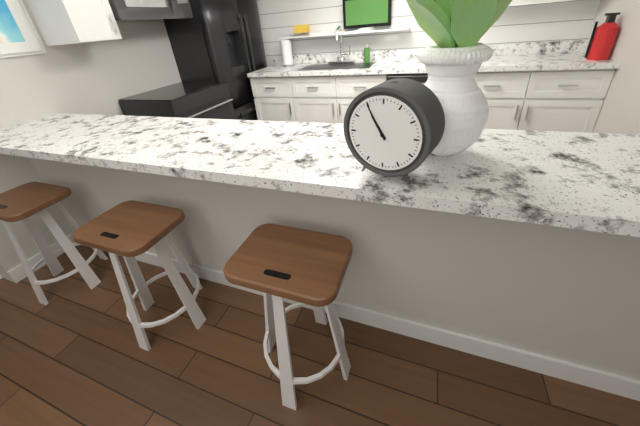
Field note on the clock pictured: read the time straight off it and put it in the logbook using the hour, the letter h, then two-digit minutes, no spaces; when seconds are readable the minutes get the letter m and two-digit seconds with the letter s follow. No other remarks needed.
10h55
